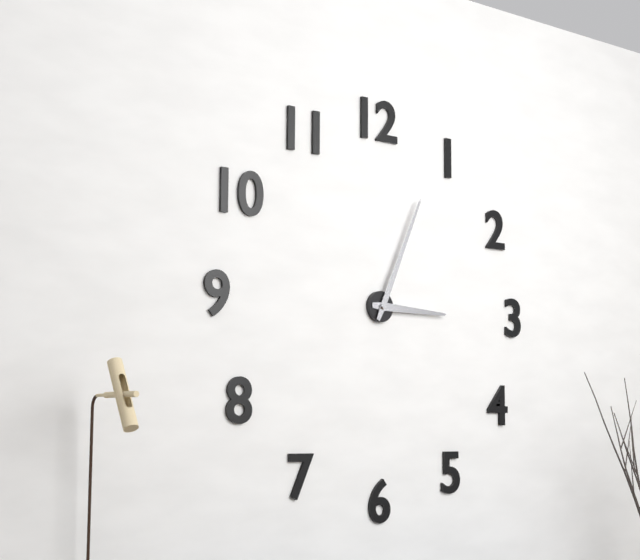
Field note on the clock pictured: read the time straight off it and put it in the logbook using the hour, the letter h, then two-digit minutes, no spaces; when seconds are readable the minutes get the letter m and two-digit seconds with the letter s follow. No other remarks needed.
3h04
